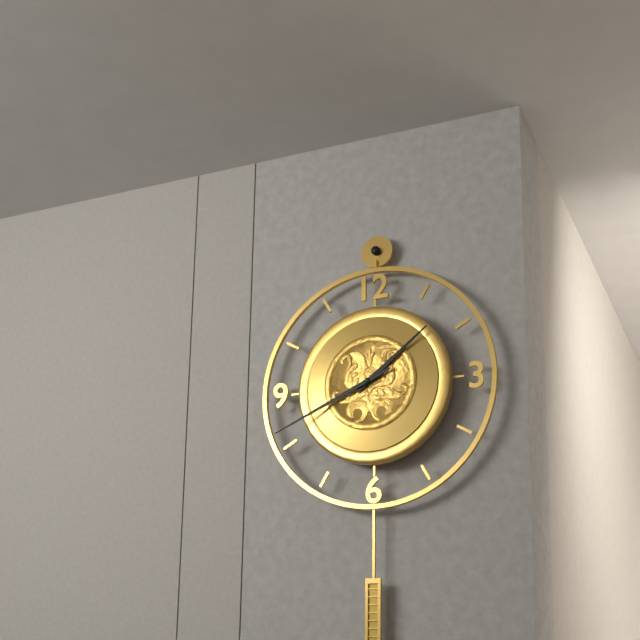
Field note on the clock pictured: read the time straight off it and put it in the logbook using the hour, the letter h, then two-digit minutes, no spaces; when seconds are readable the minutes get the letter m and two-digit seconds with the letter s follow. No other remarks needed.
1h41
